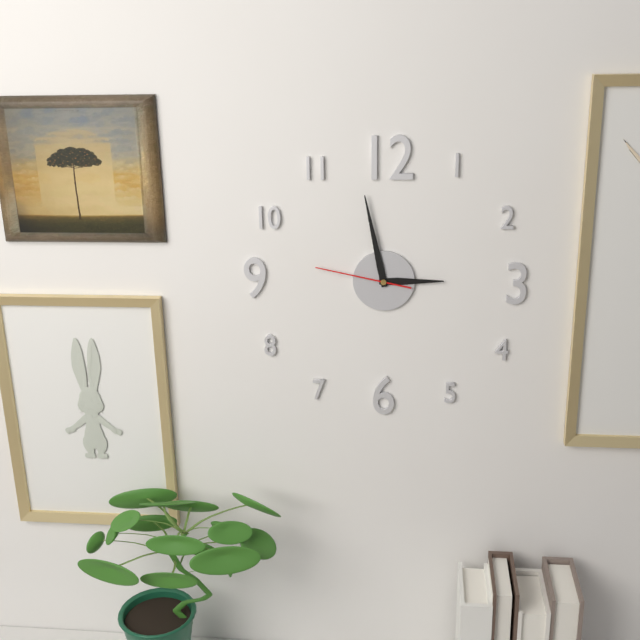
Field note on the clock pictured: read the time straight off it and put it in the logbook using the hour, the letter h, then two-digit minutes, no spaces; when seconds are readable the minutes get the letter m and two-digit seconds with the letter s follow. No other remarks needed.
2h58m47s
